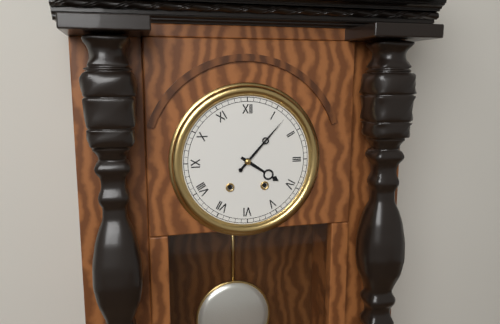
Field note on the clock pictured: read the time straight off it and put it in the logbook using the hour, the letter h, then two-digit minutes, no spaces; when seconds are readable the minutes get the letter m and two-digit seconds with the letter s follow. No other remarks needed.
4h07
